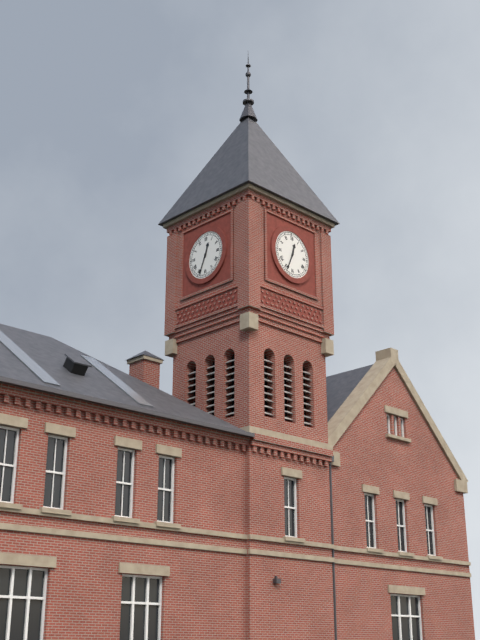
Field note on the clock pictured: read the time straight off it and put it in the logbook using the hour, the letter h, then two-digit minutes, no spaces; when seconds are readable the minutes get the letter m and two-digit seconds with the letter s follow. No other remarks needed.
12h34
